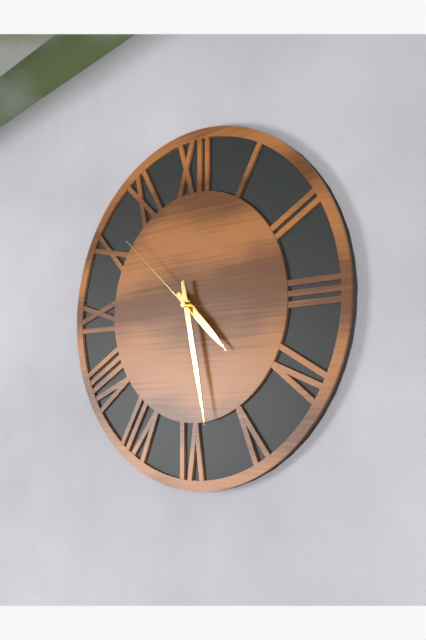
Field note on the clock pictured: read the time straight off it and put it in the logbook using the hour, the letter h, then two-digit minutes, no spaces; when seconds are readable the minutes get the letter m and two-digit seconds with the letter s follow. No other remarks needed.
4h28m52s
